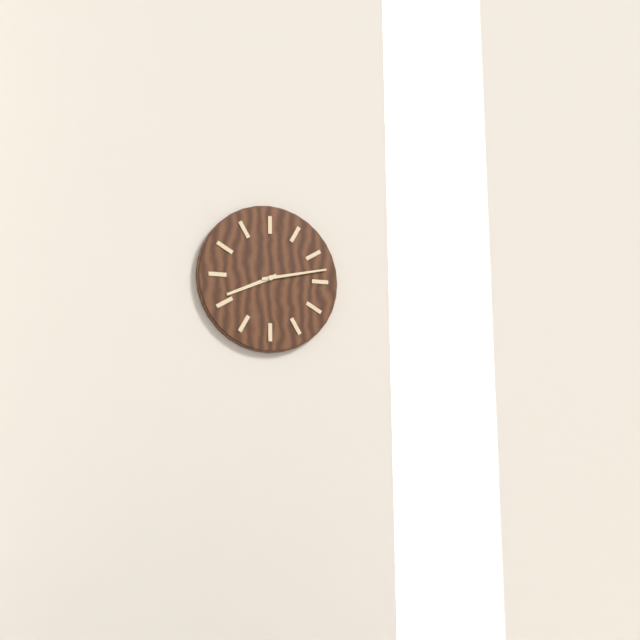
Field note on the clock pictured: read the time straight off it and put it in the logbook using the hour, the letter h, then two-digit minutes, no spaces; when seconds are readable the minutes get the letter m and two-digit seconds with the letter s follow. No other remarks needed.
8h13
